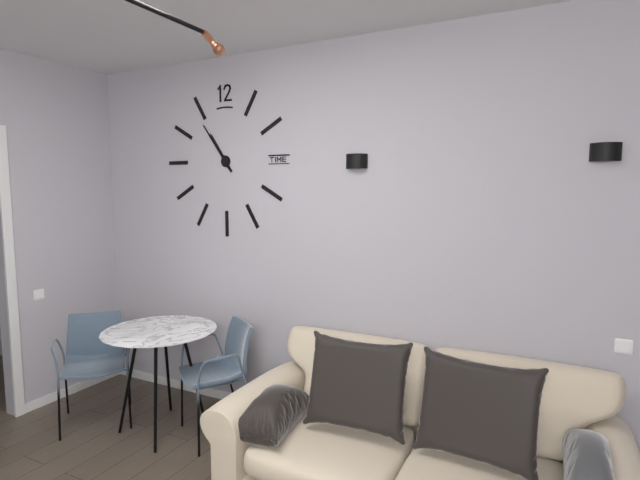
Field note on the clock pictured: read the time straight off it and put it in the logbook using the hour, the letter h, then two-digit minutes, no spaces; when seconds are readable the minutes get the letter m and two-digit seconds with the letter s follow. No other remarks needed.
10h54
